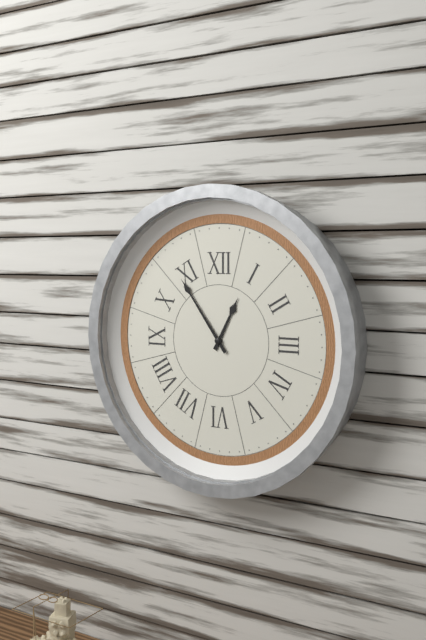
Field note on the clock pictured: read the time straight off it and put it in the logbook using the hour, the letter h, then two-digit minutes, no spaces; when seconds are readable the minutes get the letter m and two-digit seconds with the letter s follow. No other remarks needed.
12h54
